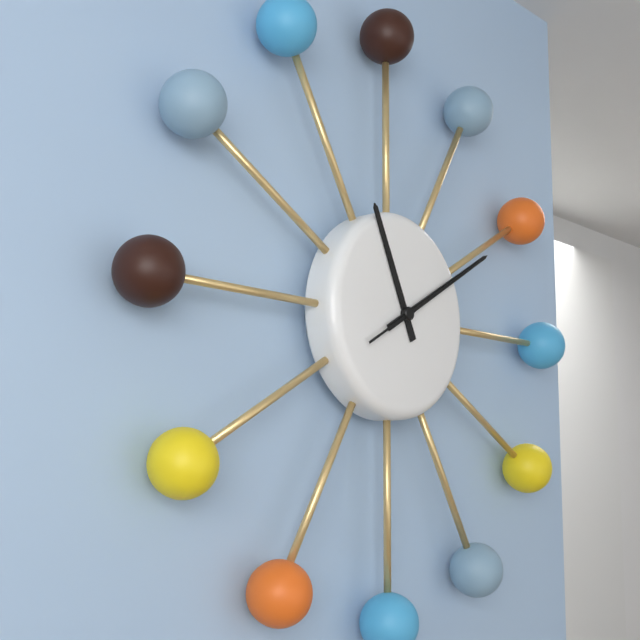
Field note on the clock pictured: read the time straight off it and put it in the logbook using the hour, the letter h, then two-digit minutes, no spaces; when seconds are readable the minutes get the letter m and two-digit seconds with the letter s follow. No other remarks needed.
11h10m10s
